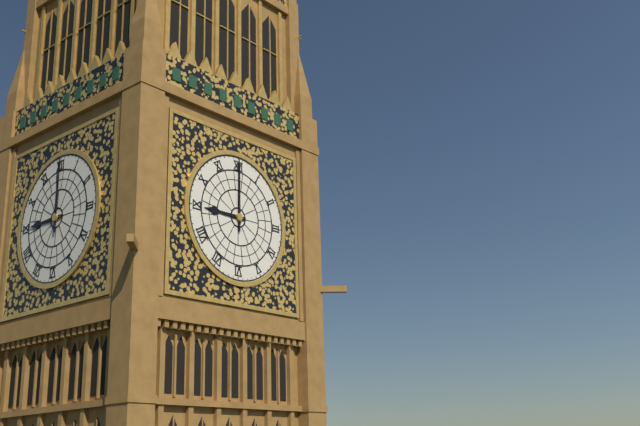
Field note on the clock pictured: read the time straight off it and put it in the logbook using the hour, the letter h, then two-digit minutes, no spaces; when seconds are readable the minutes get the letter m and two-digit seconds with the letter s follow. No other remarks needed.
9h00
